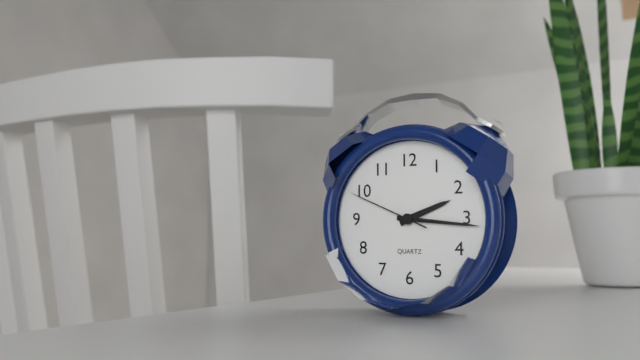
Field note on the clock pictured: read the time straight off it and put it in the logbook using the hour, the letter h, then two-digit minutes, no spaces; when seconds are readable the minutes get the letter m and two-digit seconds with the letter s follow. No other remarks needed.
2h16m49s
